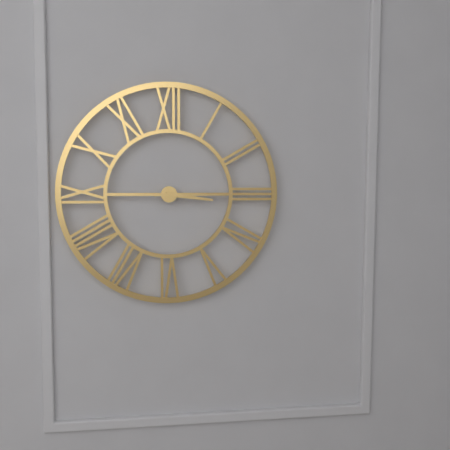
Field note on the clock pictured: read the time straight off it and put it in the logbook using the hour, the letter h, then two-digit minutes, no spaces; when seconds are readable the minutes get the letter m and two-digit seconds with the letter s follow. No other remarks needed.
3h15
